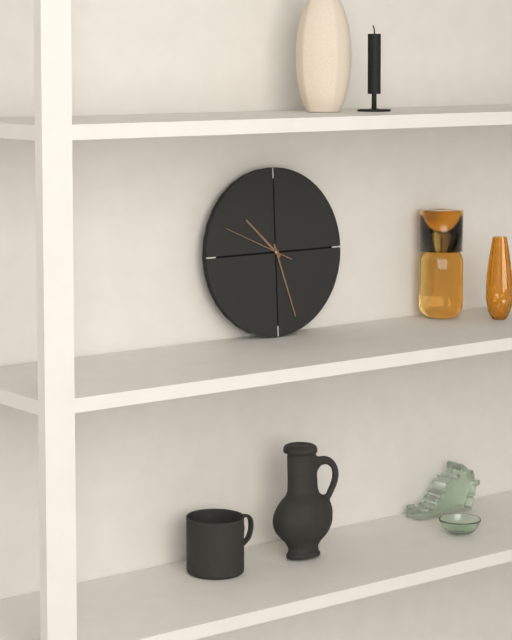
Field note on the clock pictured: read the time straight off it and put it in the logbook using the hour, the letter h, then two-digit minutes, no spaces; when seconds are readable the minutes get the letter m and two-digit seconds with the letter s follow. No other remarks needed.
10h27m49s
